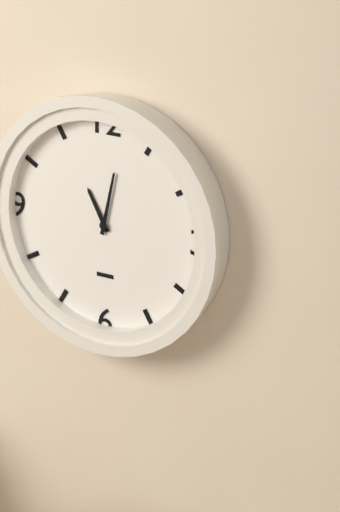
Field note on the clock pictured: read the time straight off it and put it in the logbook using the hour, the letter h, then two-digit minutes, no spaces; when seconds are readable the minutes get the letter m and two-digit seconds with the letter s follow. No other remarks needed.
11h02
